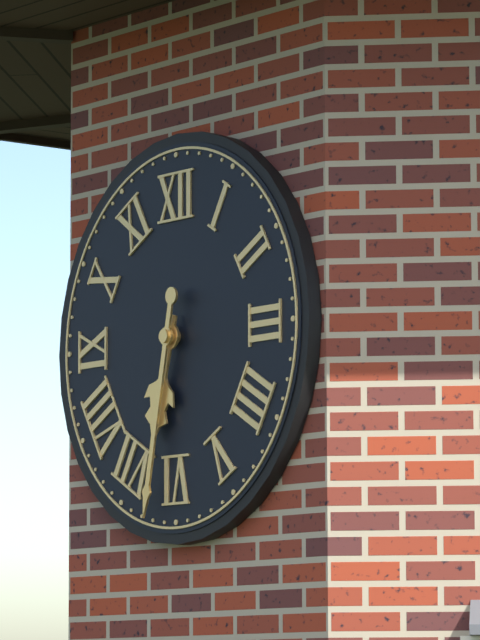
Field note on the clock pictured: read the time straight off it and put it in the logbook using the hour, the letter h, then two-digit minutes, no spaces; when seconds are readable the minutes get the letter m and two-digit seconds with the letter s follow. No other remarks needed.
6h32
